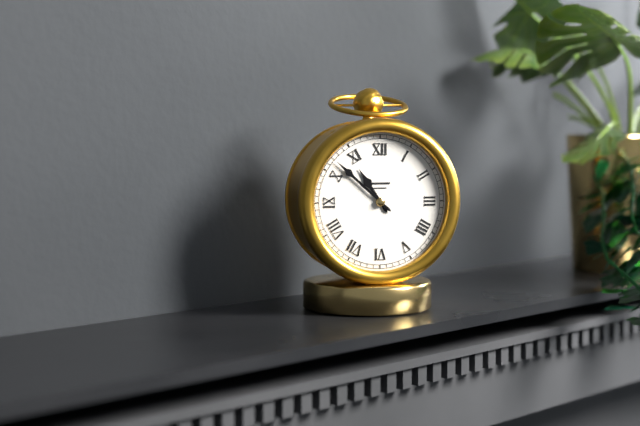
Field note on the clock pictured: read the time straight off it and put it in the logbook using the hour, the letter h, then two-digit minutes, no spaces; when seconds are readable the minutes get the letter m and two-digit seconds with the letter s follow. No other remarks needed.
10h52
